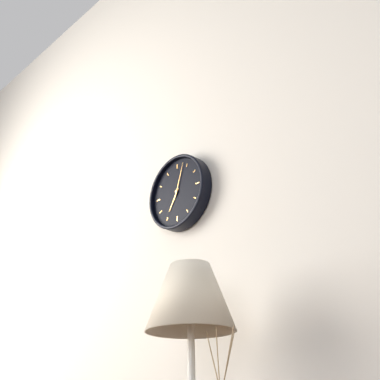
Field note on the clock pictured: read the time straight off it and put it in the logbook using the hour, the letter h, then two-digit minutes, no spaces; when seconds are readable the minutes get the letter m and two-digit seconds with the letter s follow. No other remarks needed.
7h03
